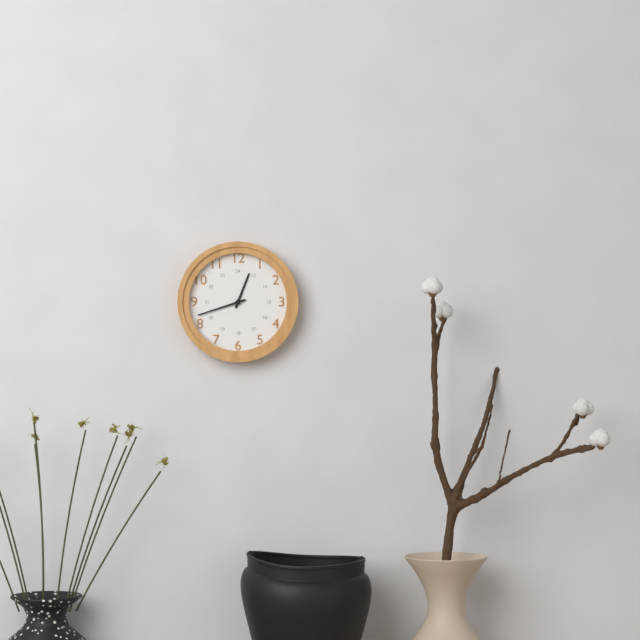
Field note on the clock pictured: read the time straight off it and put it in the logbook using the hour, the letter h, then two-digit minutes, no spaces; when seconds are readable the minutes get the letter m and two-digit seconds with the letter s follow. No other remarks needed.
12h42
